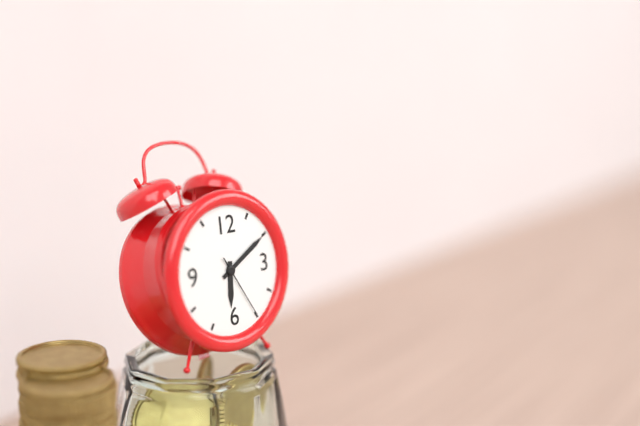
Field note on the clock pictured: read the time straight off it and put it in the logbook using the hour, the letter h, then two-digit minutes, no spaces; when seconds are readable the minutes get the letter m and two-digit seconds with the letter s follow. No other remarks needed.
6h10m25s
